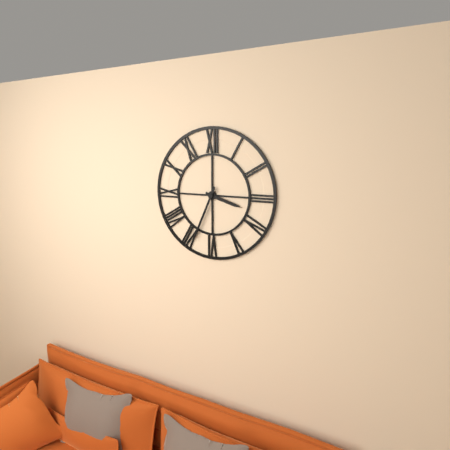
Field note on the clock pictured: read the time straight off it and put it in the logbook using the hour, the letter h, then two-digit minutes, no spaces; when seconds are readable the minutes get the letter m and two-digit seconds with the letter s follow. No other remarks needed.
3h34
